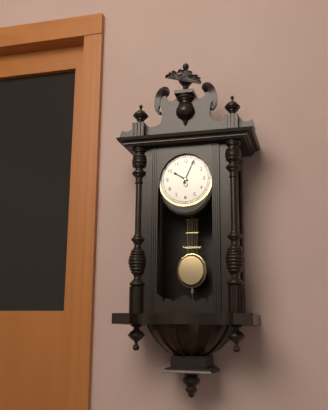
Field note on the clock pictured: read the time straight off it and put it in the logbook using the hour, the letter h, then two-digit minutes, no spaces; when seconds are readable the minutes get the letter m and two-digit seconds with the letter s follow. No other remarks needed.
10h04
